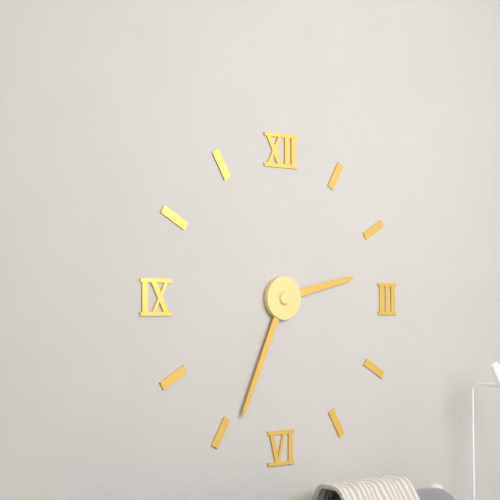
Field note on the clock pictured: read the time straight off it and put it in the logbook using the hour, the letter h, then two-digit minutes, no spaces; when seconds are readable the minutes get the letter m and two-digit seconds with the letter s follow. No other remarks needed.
2h34
